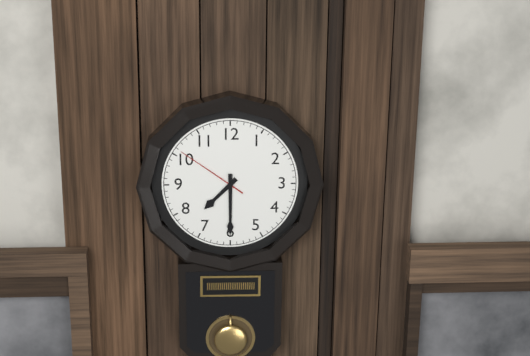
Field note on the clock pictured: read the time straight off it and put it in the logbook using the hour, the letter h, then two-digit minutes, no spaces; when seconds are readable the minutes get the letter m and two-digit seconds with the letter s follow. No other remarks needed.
7h30m51s
